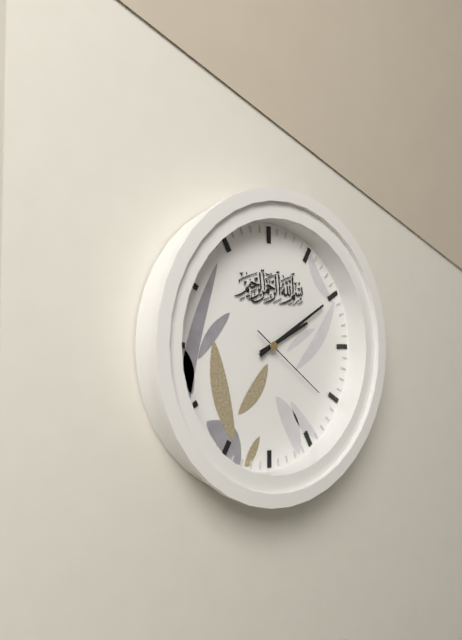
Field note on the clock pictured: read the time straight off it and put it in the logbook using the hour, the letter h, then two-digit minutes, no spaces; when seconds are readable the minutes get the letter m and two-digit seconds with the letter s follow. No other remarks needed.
2h10m21s
